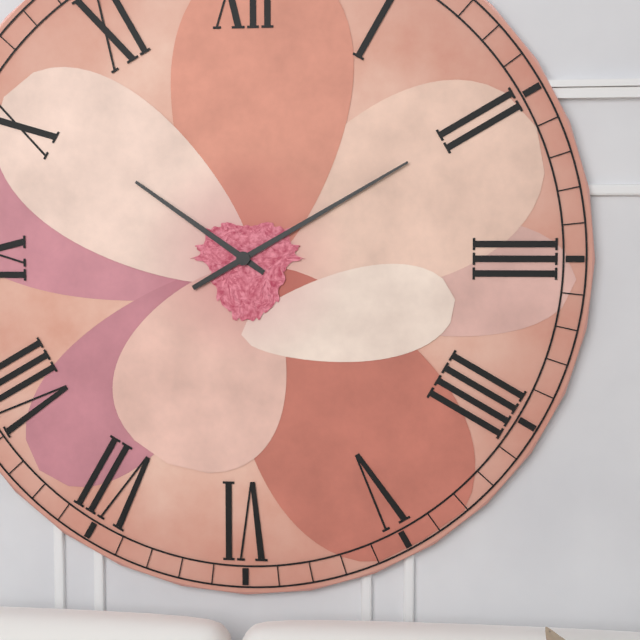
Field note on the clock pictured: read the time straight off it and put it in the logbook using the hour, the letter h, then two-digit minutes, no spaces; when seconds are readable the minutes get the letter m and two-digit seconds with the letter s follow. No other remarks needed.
10h10
